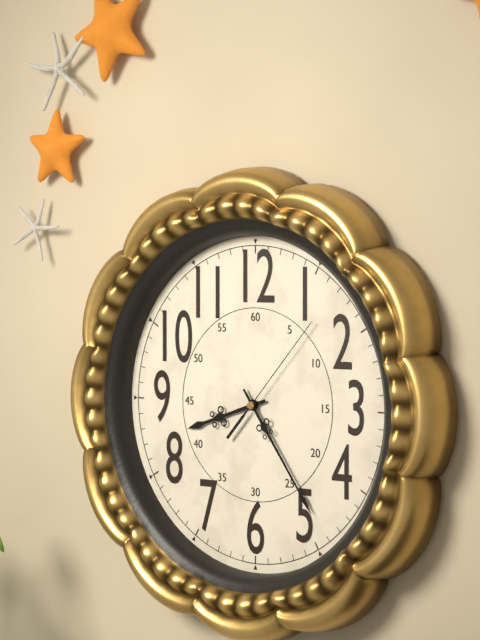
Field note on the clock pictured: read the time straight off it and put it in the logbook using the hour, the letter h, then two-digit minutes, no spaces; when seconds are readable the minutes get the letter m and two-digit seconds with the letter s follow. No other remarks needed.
8h24m07s
